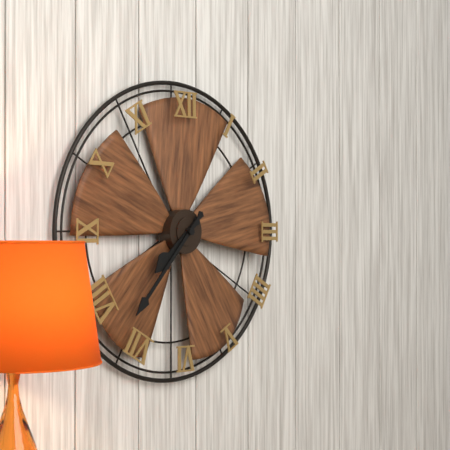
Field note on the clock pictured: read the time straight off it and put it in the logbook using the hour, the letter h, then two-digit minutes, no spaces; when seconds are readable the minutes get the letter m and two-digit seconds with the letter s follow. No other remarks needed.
7h37
